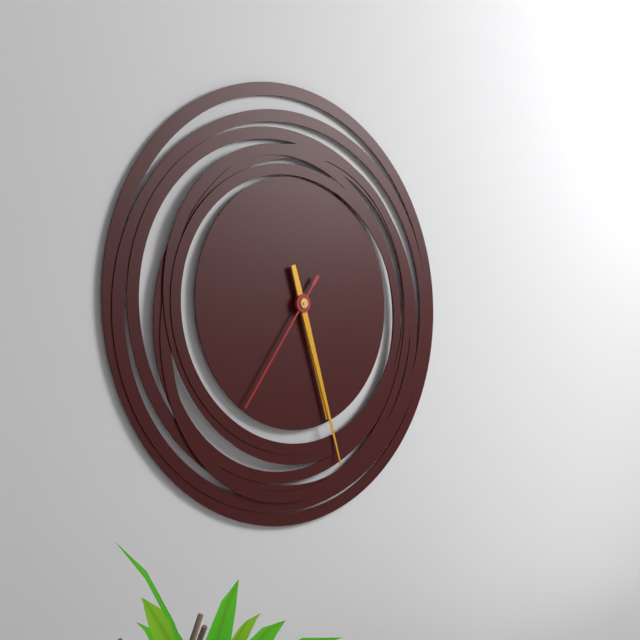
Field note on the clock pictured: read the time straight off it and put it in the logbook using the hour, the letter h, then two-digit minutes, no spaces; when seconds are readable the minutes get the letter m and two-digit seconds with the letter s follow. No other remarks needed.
5h27m36s
